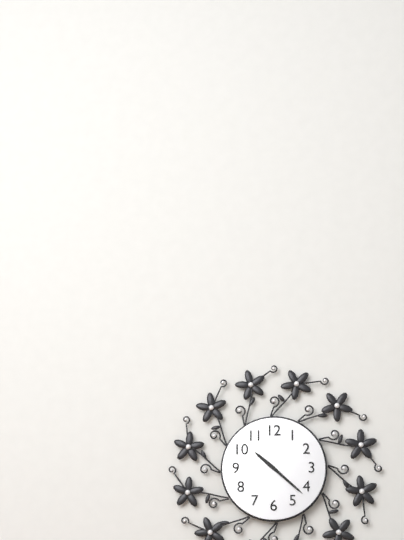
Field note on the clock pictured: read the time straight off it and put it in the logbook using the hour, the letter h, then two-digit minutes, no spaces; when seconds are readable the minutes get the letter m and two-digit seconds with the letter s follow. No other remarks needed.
10h22
